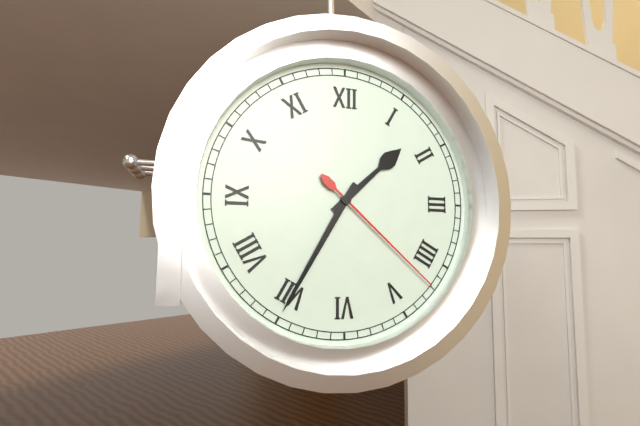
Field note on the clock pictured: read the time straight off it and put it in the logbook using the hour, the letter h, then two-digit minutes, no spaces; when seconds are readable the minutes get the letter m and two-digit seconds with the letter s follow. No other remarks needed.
1h35m22s
